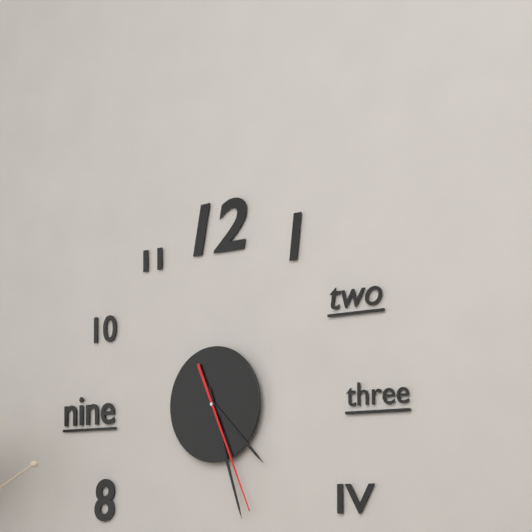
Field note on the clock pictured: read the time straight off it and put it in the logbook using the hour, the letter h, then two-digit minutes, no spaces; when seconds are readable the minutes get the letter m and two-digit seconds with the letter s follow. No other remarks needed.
4h27m26s
